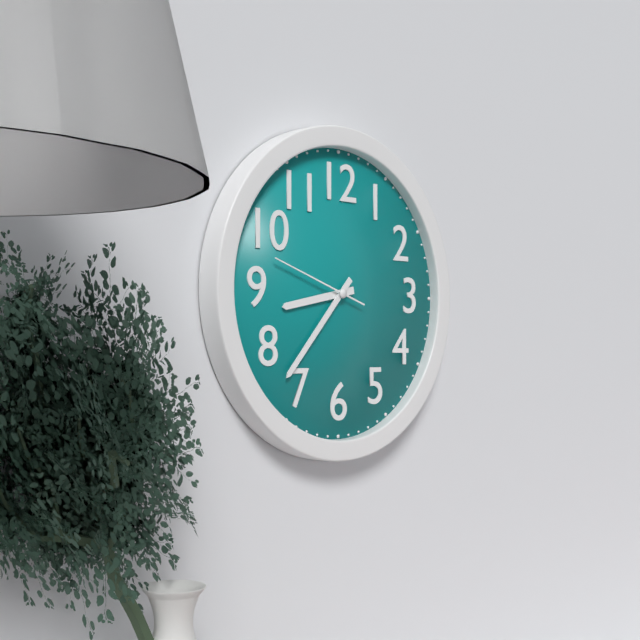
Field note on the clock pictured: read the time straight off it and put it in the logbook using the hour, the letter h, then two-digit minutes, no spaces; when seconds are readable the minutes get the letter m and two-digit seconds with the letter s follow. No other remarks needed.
8h37m48s
